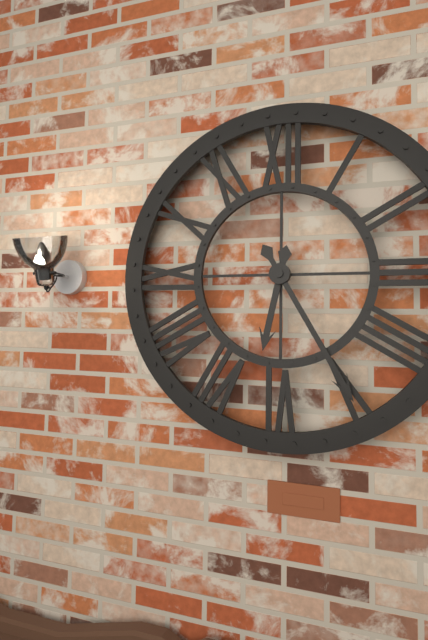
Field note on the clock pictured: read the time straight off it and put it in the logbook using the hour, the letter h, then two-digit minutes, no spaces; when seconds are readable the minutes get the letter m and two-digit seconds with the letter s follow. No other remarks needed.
6h25
